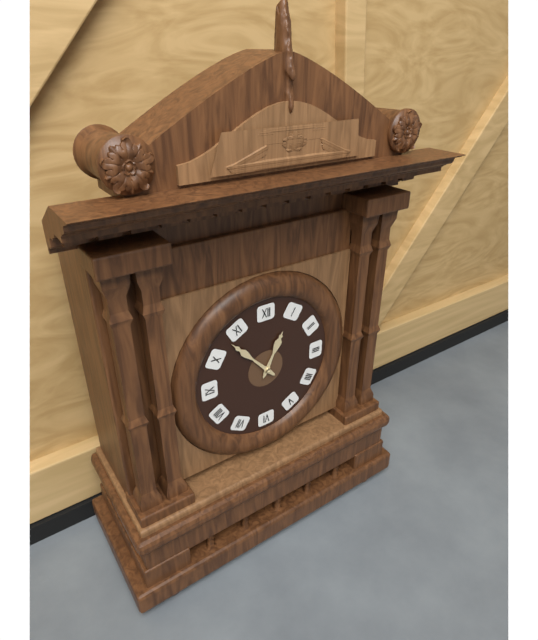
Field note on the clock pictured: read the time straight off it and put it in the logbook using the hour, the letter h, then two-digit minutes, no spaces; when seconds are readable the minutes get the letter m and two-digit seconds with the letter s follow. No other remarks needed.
12h53
